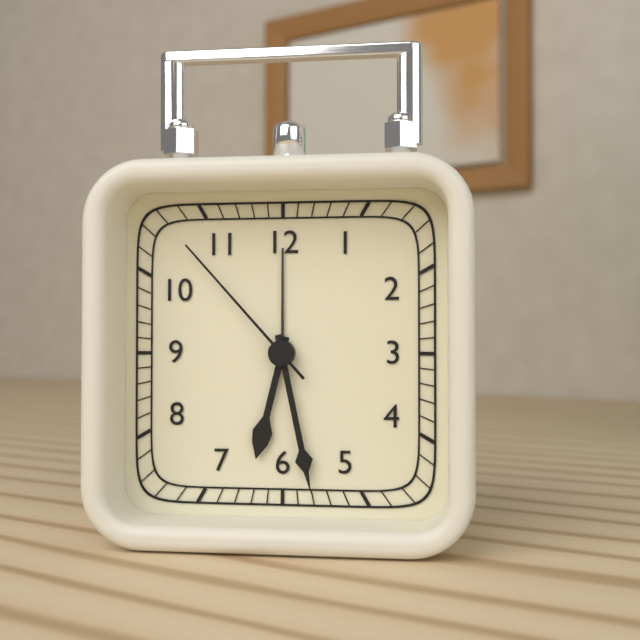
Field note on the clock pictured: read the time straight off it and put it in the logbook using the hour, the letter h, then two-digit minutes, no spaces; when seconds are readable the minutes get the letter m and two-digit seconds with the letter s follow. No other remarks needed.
6h28m53s
